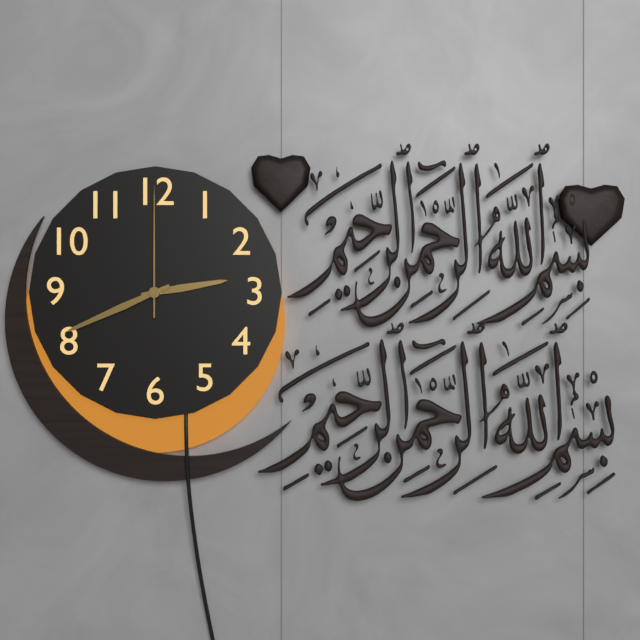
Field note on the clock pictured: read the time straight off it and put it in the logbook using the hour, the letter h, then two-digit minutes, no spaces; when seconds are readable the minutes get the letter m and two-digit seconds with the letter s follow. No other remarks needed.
2h41m00s
